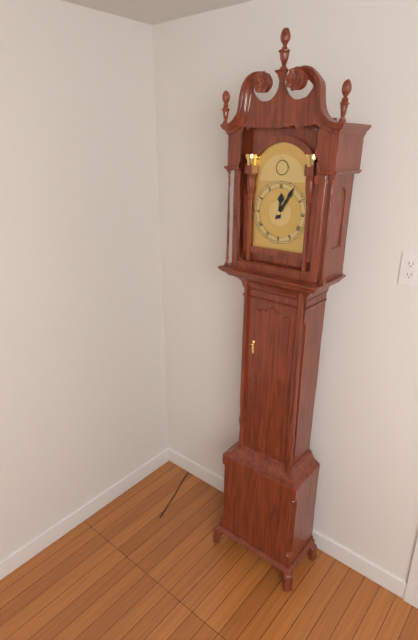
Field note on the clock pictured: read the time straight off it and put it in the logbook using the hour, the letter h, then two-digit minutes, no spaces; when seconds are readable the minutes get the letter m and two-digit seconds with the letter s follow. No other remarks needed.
12h05
